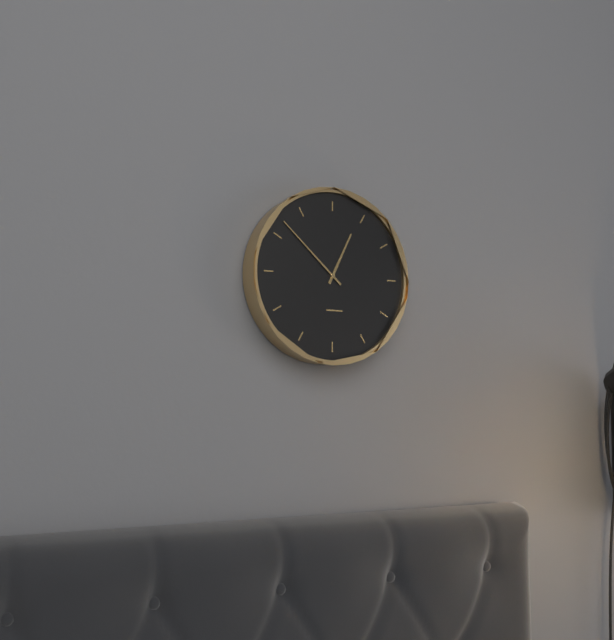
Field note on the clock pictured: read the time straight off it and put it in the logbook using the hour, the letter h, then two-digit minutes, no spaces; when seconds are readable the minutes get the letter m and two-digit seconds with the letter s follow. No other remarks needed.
12h52
